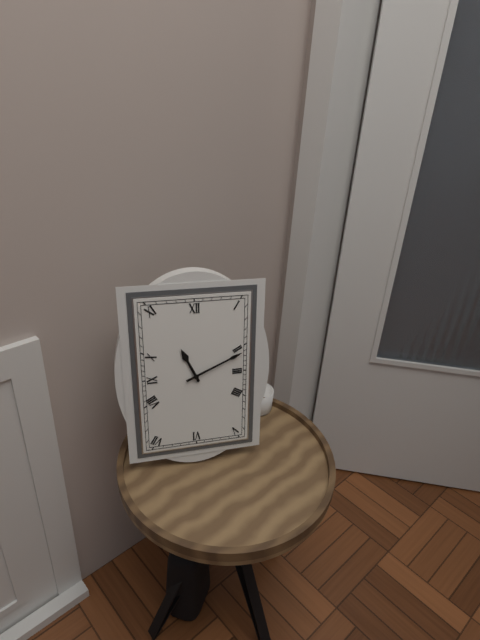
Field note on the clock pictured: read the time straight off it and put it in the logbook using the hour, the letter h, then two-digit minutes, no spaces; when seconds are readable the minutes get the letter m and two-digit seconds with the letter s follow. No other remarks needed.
11h11
